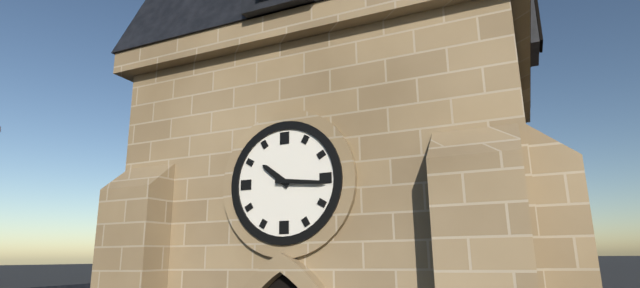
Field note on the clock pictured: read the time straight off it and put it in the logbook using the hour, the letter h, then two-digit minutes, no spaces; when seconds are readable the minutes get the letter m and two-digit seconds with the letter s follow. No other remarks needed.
10h16
